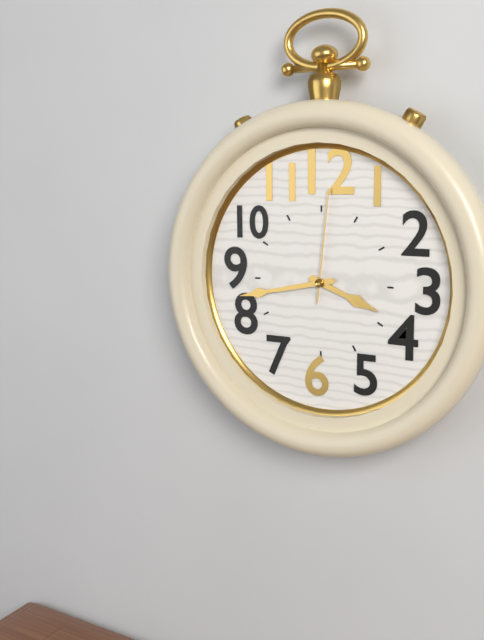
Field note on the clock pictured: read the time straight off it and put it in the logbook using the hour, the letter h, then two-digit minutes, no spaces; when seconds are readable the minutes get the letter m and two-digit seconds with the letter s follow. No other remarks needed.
3h43m01s
